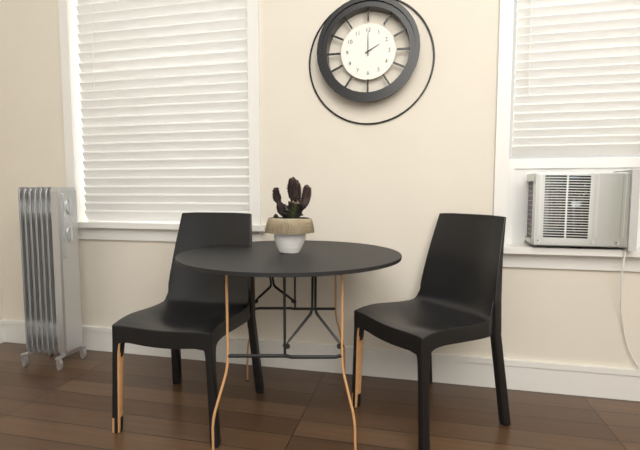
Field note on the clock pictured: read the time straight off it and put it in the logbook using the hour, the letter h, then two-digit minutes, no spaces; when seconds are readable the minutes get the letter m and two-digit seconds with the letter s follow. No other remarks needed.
2h00
